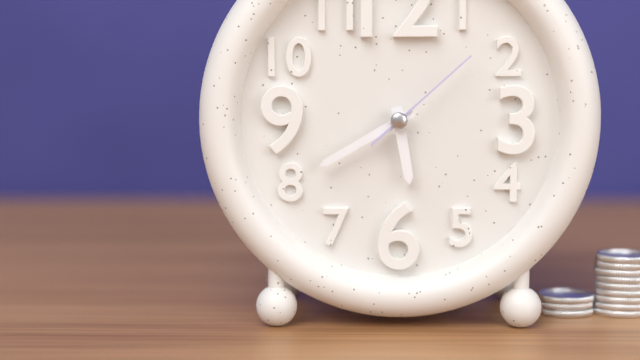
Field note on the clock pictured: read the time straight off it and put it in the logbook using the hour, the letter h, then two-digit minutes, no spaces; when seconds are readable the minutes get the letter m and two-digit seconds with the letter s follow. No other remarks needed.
5h40m08s
